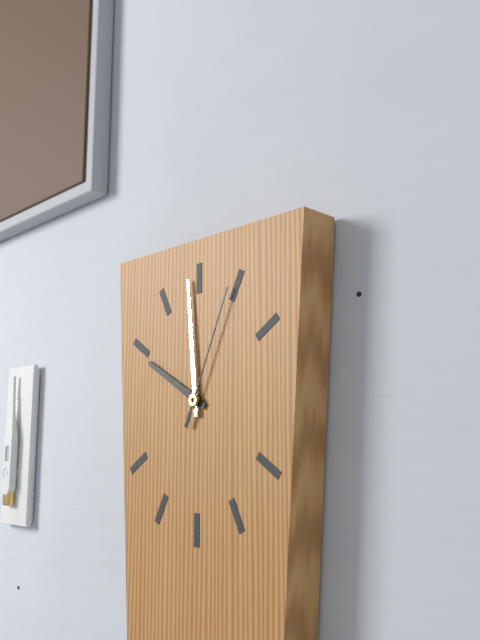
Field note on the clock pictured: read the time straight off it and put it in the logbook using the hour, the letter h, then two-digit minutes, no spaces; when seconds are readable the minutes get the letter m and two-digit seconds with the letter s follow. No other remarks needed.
9h59m04s
